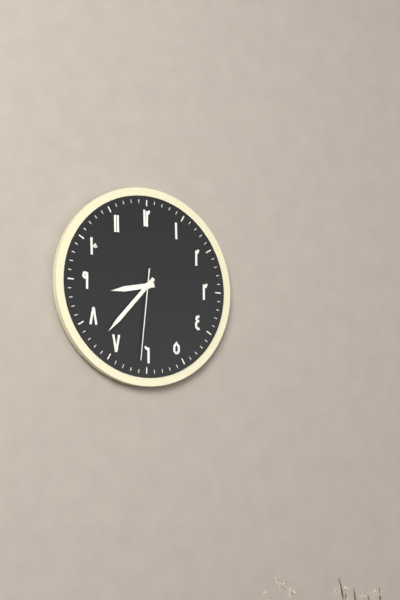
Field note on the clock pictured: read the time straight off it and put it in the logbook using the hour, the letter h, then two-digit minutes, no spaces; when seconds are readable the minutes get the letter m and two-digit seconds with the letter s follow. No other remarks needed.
8h37m31s
